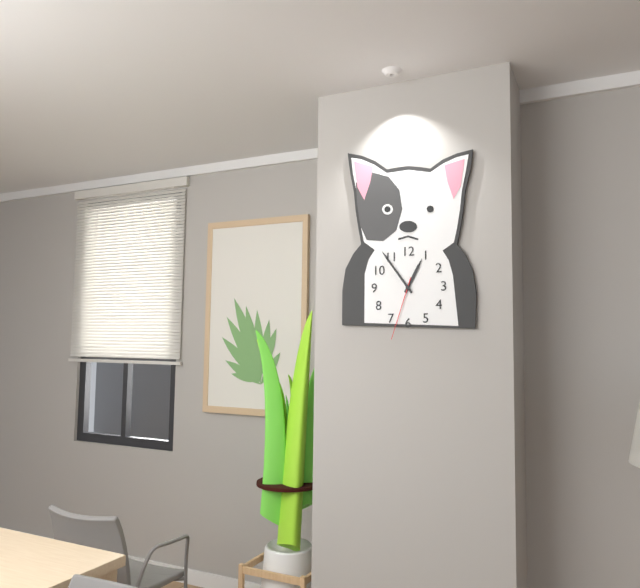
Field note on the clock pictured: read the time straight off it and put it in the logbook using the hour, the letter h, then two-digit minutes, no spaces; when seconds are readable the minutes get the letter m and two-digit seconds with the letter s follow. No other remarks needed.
12h54m33s
